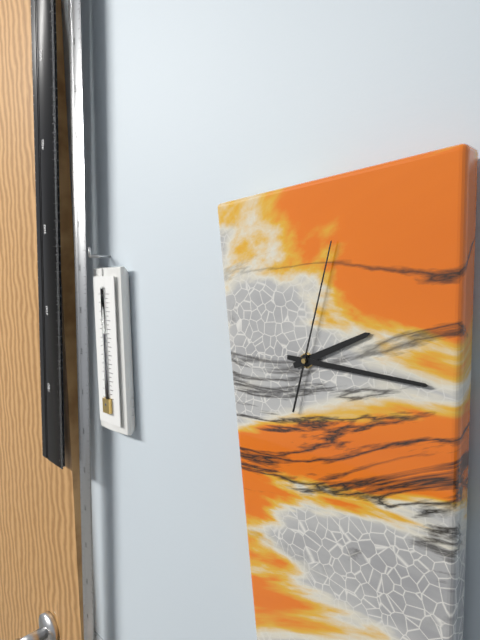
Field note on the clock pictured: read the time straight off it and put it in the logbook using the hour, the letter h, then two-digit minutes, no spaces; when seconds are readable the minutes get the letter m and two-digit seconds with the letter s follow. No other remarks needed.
2h16m03s
